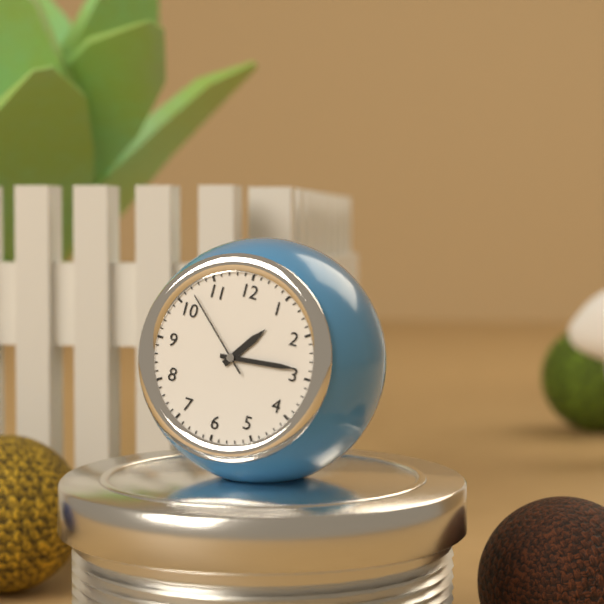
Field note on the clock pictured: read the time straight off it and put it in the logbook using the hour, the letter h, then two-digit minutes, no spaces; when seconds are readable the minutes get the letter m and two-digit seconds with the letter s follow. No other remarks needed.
1h14m52s
